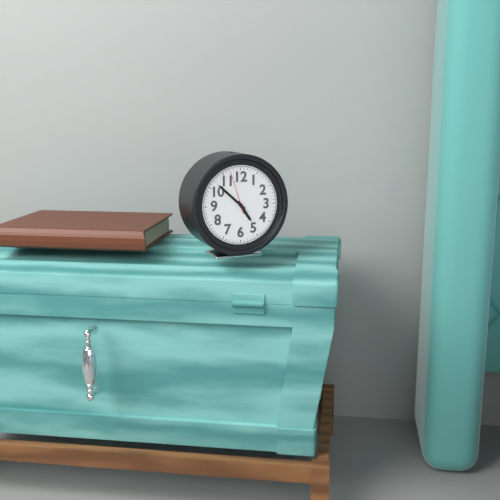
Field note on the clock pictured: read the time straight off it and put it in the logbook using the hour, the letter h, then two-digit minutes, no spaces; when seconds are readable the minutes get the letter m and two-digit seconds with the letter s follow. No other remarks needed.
4h52
